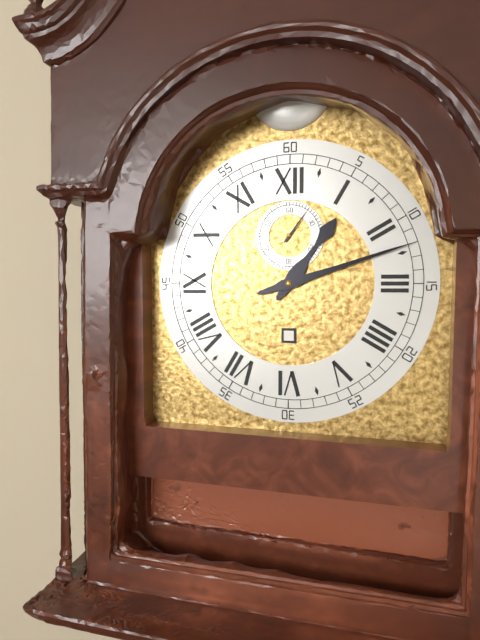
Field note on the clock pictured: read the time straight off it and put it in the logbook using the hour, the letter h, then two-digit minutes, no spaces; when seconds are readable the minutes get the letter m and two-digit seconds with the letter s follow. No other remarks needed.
1h12
